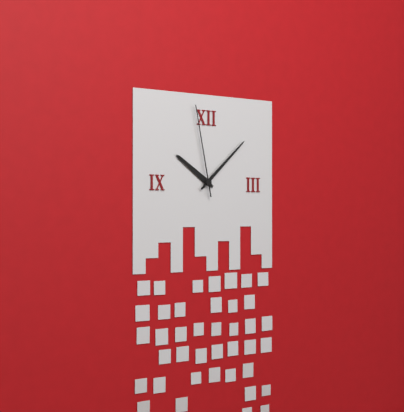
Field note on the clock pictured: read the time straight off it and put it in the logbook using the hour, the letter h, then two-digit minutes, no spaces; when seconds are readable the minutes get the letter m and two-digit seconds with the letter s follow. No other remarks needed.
10h08m58s
